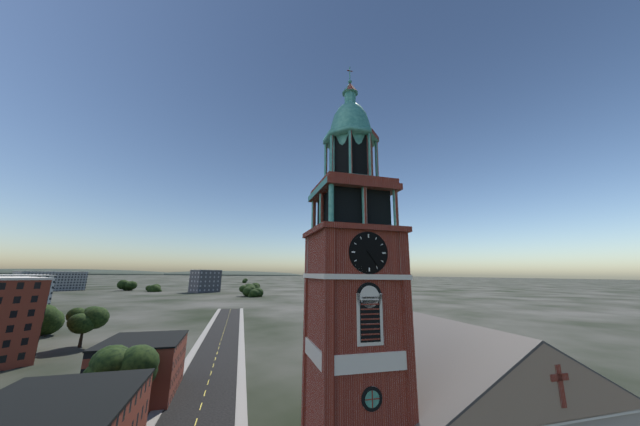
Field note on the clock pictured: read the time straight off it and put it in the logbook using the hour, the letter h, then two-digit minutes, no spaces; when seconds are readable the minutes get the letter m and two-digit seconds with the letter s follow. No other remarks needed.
3h24
